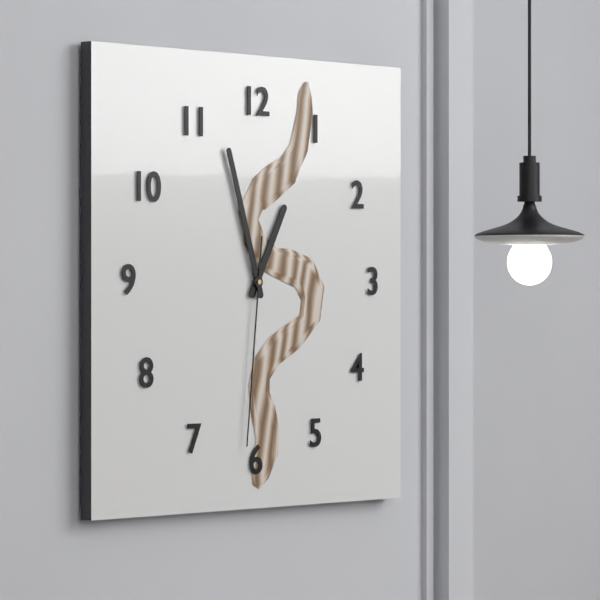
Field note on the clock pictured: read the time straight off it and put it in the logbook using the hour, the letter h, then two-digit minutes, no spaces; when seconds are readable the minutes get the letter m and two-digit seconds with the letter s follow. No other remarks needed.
12h57m31s
